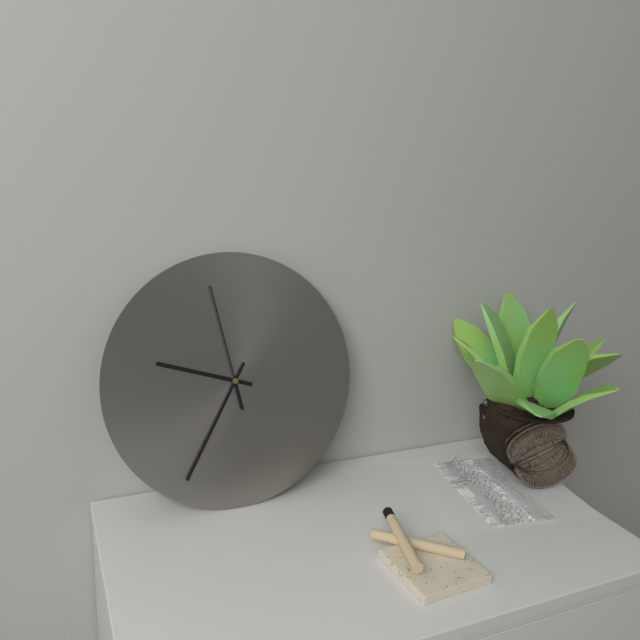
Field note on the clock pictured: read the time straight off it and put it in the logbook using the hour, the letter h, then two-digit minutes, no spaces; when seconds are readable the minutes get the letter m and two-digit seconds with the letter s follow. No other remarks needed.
9h35m58s
